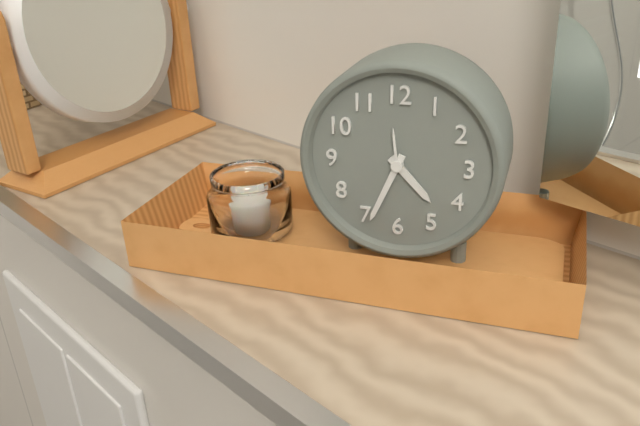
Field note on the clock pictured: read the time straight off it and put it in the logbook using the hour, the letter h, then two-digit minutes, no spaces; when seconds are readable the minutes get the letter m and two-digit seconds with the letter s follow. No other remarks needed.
4h34
